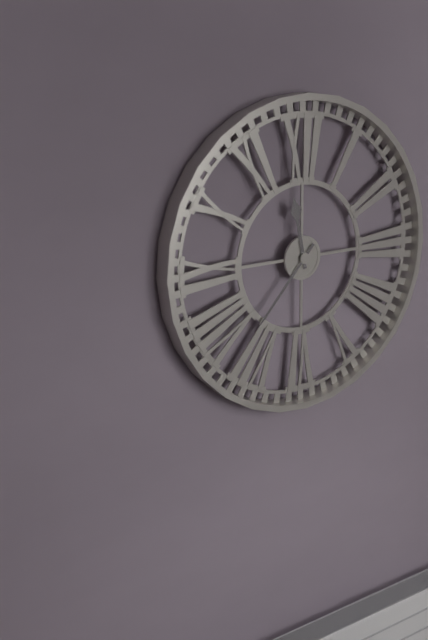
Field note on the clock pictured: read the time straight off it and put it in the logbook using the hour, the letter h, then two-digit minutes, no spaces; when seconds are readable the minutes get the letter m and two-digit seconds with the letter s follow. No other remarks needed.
11h37
